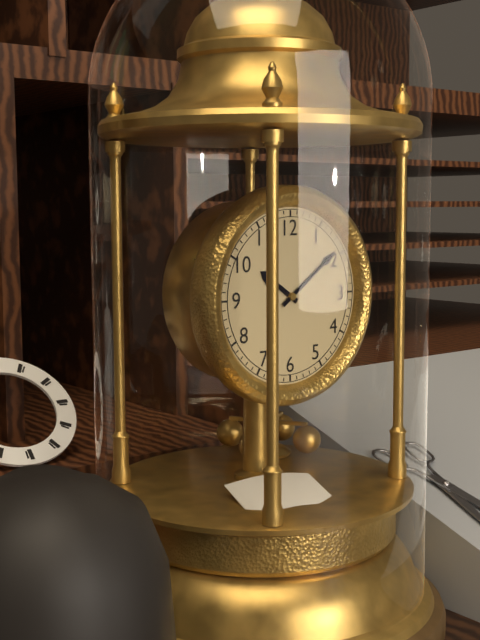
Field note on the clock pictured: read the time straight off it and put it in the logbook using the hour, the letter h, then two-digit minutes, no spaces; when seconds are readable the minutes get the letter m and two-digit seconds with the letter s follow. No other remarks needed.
10h09
